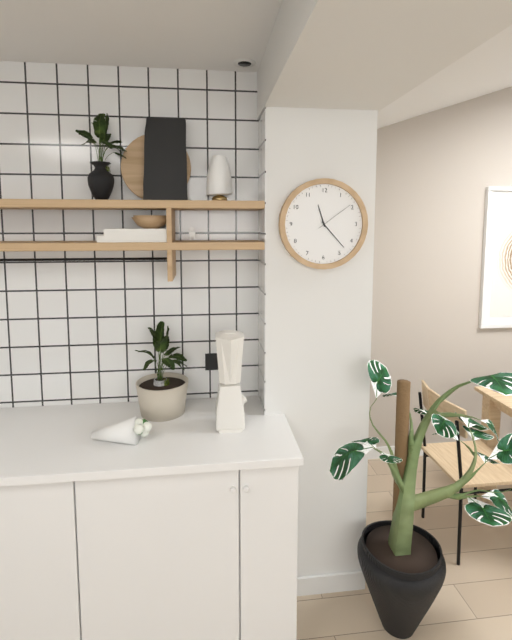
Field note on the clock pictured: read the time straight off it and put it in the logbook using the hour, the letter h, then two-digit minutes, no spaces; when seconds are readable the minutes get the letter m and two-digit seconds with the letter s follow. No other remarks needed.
11h23
